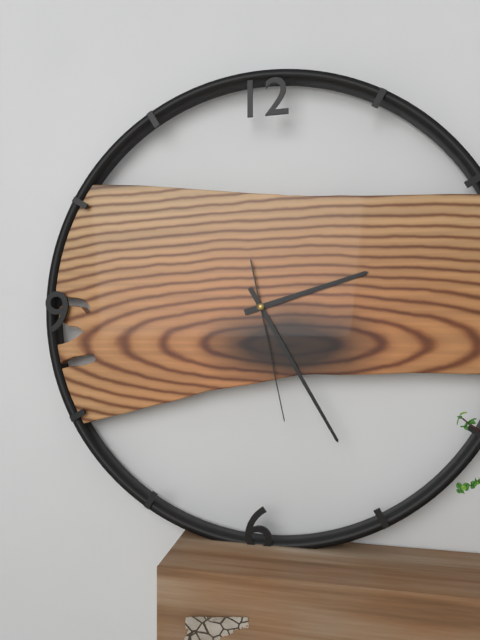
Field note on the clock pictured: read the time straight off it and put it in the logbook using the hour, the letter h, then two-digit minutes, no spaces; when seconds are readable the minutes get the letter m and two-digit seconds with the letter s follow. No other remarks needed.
2h25m28s
